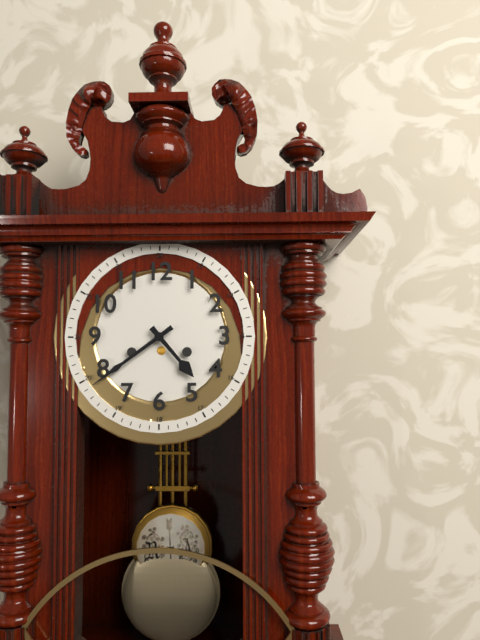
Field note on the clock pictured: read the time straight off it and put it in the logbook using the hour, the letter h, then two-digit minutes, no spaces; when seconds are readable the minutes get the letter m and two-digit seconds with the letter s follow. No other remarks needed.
4h39
